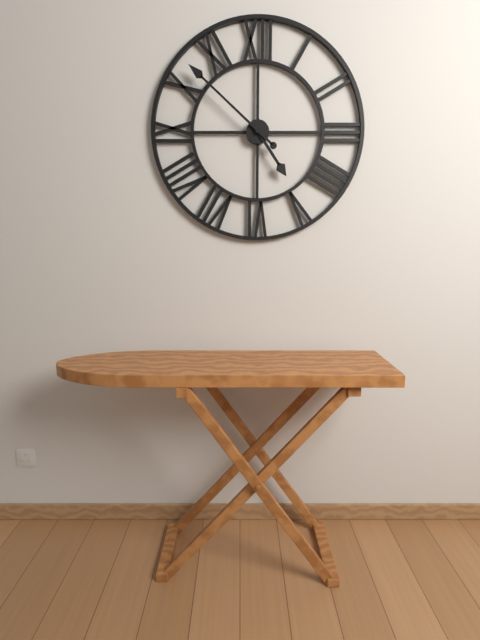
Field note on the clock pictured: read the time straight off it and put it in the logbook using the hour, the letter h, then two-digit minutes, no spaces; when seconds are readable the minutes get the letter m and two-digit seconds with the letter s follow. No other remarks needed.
4h52
